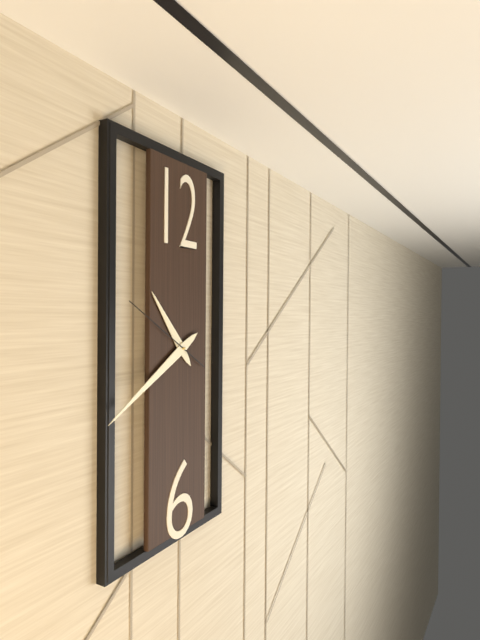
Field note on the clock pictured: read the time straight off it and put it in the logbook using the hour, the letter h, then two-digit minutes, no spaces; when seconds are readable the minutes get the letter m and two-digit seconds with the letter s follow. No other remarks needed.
10h40m50s
